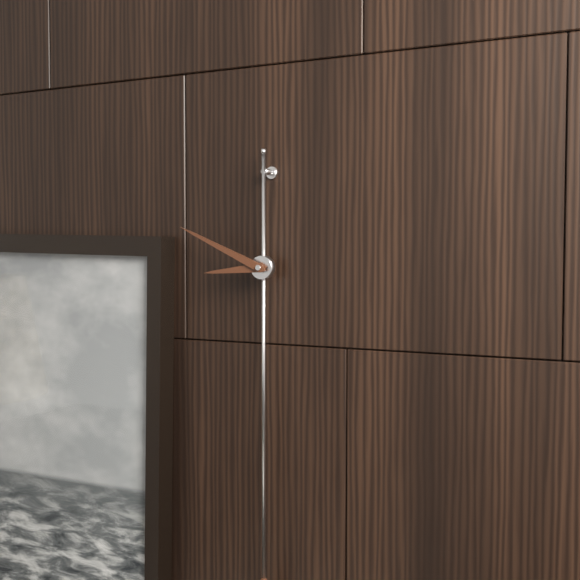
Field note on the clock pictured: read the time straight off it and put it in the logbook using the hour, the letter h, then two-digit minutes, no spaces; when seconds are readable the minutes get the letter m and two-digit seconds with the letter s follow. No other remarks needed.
8h49
